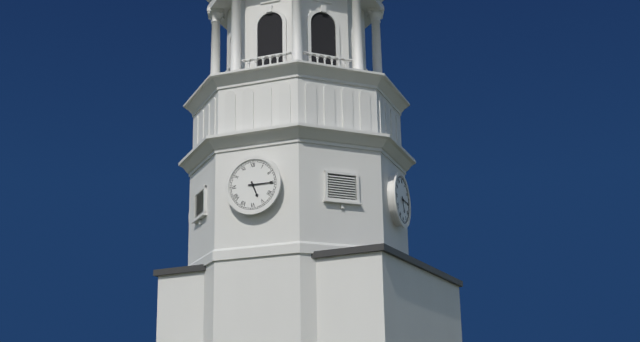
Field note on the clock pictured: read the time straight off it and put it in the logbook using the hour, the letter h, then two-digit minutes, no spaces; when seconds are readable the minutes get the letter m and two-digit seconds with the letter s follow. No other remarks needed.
5h15
